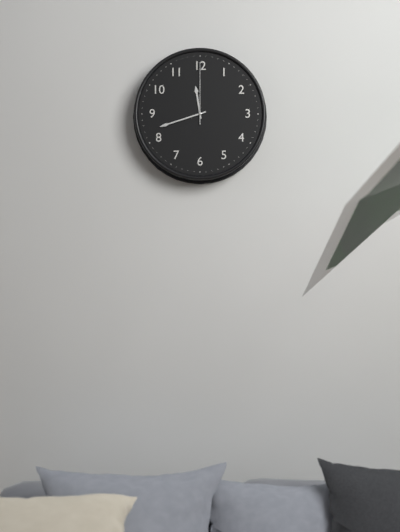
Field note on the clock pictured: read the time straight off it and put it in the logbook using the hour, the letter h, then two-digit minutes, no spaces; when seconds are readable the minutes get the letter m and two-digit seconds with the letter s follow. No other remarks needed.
11h42m00s
